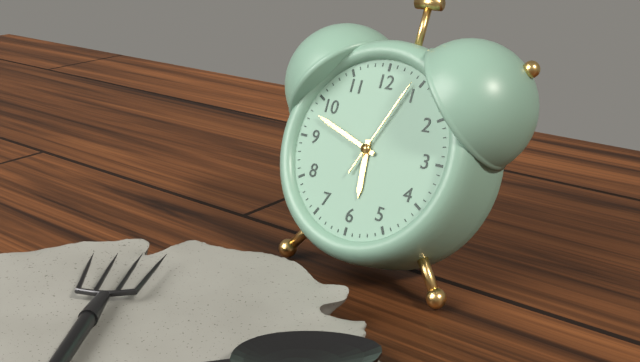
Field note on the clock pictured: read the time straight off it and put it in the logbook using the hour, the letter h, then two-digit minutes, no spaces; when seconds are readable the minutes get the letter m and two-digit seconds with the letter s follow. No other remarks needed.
5h48m04s
